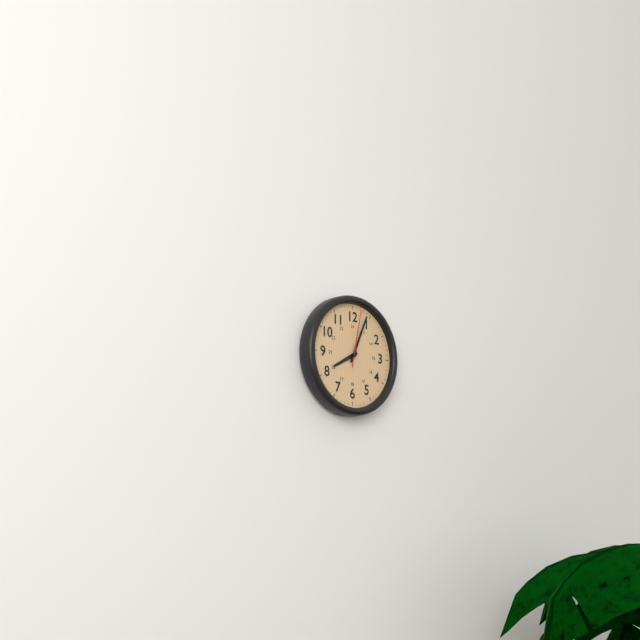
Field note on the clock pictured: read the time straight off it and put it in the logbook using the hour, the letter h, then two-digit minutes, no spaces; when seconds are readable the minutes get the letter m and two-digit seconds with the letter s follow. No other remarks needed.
8h04m02s
